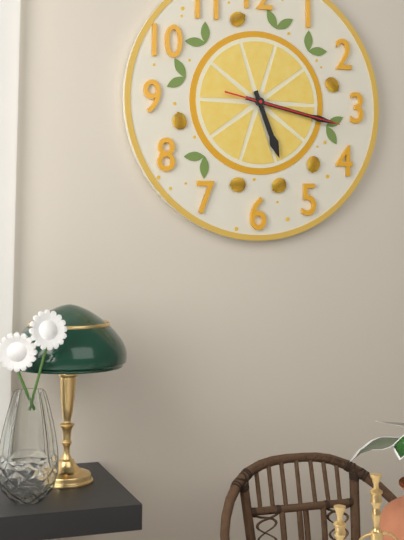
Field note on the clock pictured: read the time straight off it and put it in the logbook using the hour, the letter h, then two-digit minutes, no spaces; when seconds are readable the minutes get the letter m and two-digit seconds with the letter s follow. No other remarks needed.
5h17m17s
